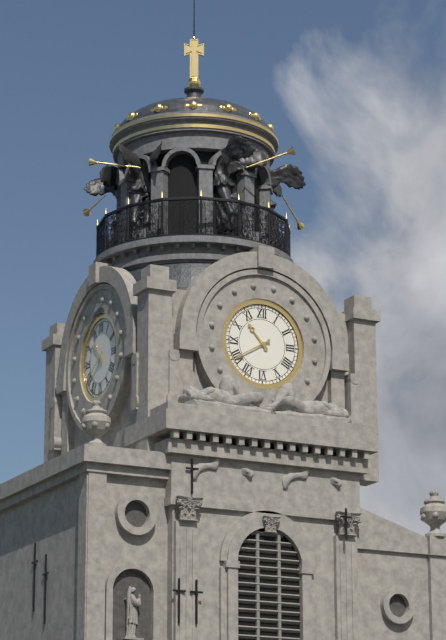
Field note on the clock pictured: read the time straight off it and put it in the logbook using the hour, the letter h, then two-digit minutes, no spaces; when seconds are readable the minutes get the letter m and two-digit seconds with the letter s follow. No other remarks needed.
10h40
